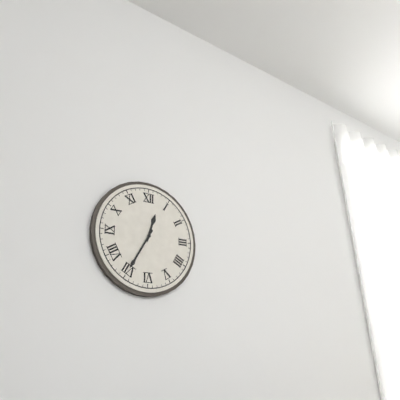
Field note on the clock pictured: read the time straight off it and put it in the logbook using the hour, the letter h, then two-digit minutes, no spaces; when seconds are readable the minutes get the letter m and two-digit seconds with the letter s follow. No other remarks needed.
12h35
